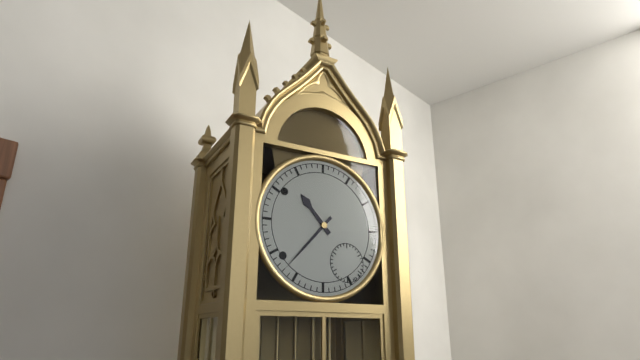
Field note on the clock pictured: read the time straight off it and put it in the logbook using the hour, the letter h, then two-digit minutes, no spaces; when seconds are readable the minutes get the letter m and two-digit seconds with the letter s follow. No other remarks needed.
10h37
